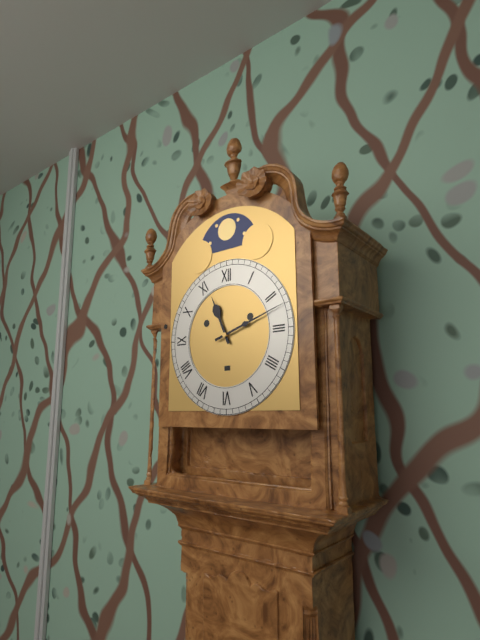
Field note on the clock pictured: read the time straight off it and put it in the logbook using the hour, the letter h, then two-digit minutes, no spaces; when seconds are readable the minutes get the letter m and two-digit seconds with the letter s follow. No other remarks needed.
11h12
